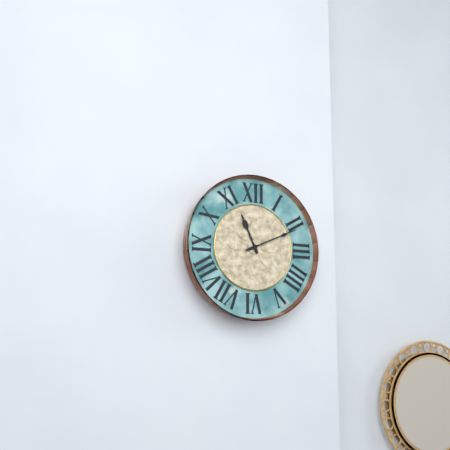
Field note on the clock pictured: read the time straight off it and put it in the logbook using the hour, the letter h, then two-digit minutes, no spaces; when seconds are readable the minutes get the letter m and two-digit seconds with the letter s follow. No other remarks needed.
11h11
